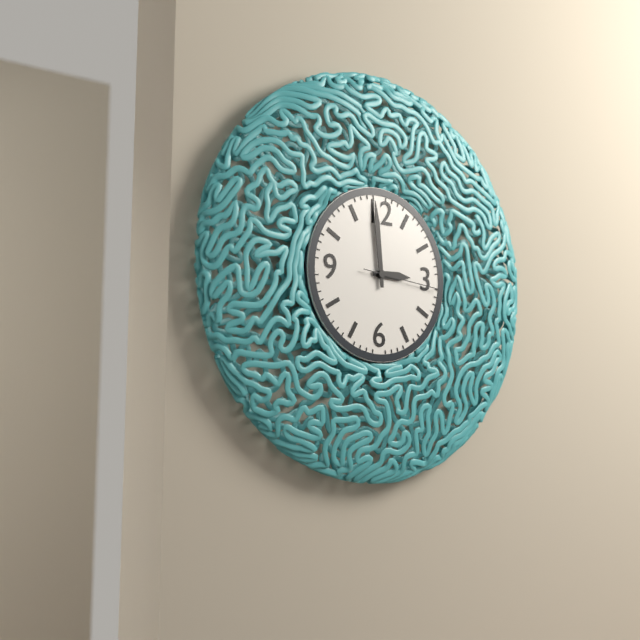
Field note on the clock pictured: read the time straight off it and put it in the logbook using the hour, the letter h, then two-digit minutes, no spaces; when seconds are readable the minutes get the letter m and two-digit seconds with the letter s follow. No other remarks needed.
2h59m16s
